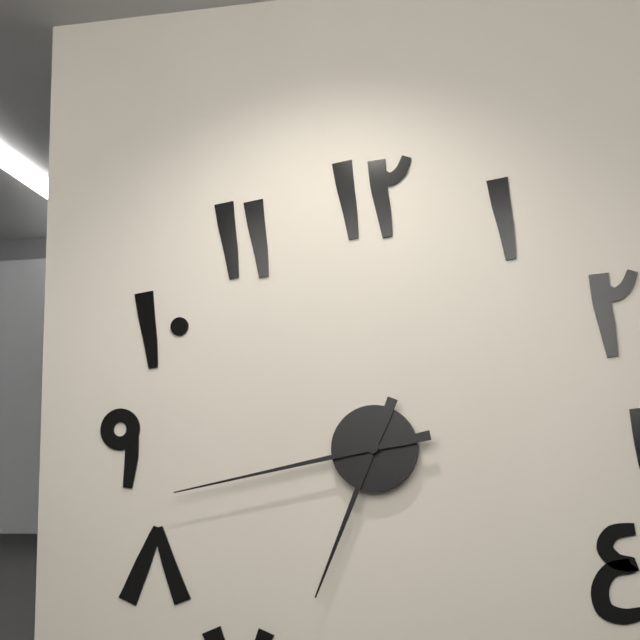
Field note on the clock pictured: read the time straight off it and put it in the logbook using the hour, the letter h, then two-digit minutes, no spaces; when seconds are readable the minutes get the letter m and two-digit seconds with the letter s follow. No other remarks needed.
6h43
